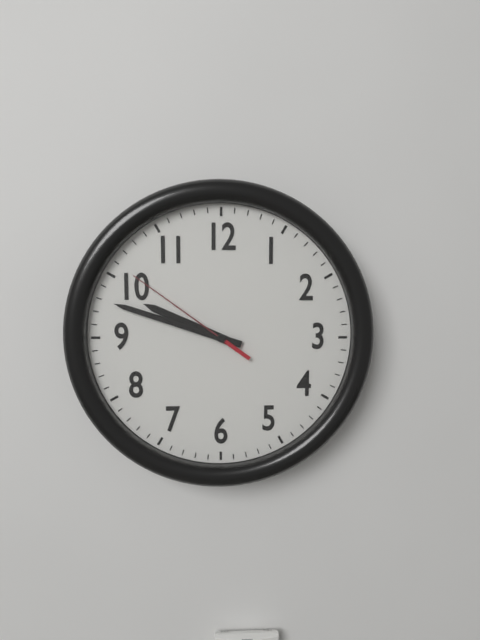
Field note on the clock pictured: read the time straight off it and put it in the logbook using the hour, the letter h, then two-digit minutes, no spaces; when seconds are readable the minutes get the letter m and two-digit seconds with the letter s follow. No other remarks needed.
9h48m51s
